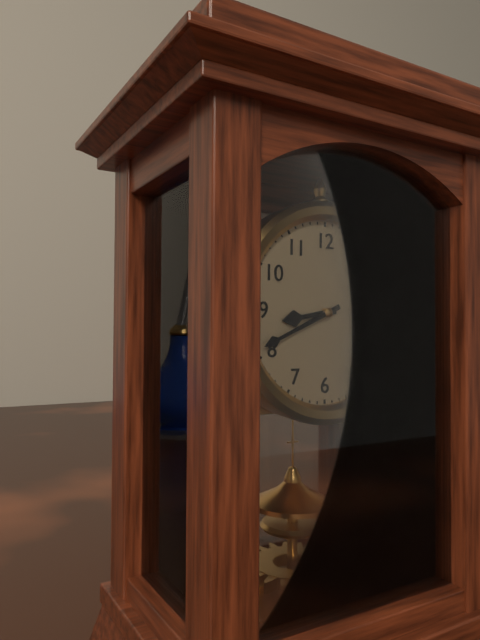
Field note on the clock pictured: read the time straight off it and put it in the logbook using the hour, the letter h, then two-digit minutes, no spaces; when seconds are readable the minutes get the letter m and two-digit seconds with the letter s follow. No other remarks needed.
8h41
